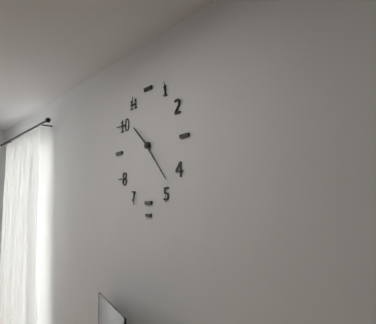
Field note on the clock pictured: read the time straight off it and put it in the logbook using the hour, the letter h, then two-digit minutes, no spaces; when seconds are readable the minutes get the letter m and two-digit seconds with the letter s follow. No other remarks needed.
10h23
